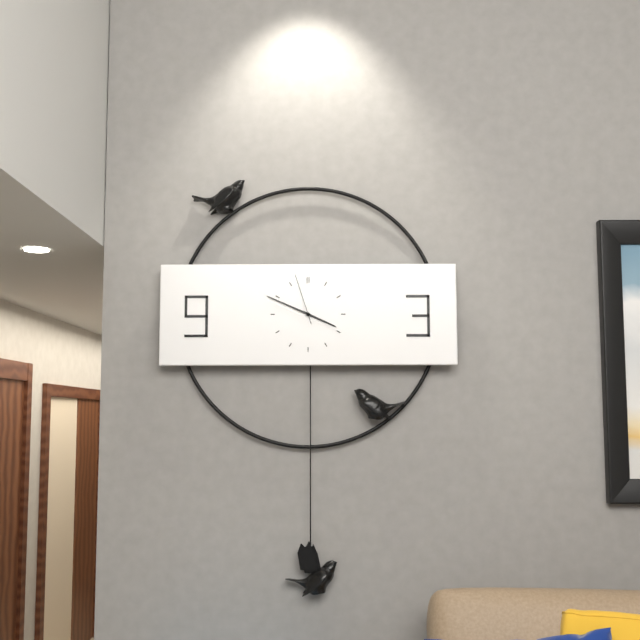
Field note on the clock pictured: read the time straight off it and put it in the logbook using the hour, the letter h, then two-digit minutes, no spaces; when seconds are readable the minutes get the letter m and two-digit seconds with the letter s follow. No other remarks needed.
3h49m57s
